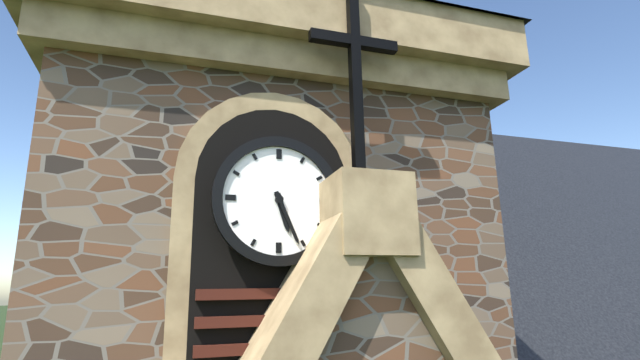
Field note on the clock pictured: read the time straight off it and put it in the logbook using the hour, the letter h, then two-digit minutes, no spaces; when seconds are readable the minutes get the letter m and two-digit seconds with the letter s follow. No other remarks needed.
5h26
